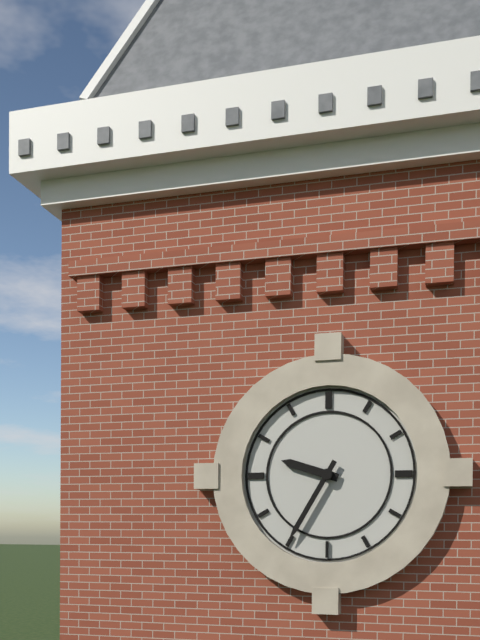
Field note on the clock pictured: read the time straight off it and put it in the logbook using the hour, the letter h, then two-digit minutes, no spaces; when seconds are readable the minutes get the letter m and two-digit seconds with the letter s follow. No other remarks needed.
9h35
